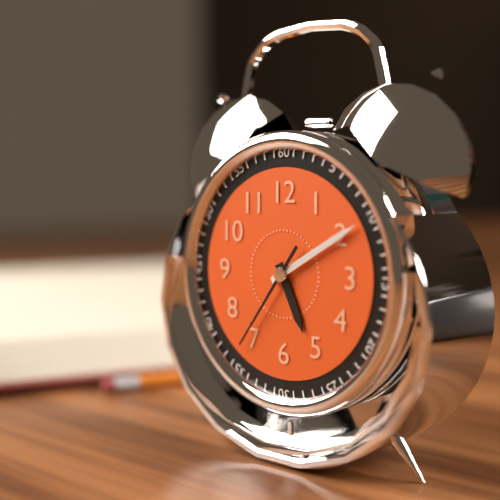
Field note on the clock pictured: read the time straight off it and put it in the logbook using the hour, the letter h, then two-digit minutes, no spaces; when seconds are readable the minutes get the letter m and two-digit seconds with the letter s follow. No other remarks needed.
5h10m36s
